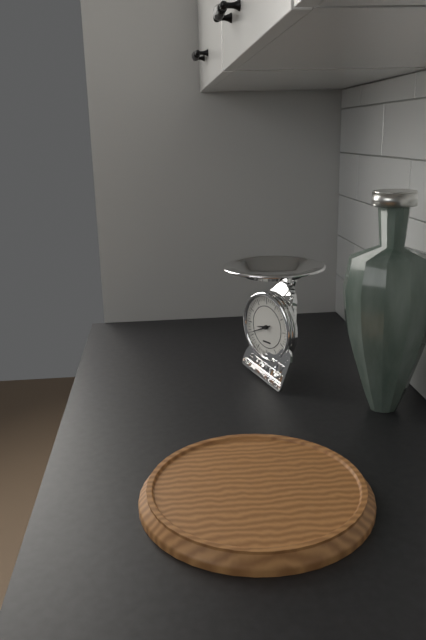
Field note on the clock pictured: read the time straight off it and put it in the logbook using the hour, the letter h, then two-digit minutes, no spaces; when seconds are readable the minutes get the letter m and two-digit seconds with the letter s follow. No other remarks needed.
8h41
